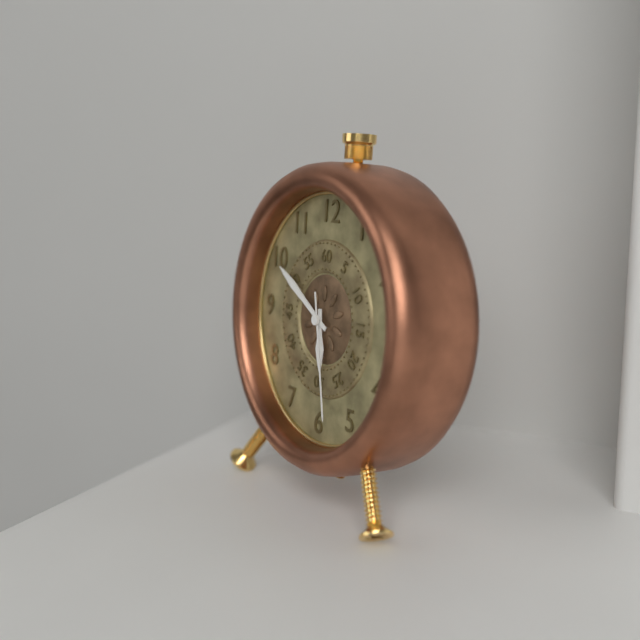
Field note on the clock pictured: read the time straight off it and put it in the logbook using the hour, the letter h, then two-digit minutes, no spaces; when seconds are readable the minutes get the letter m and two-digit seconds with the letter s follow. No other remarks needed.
5h50m28s
